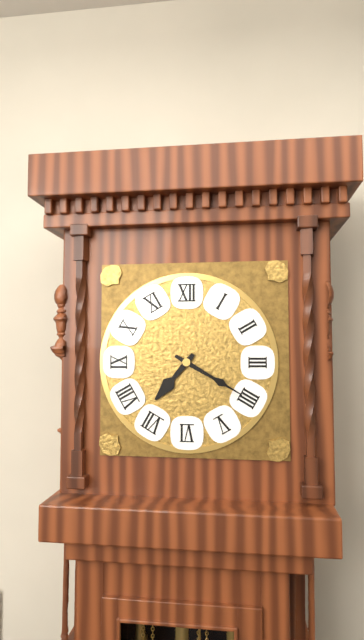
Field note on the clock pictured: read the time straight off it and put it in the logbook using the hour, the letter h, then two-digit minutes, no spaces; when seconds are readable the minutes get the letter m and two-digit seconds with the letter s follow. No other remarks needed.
7h20
